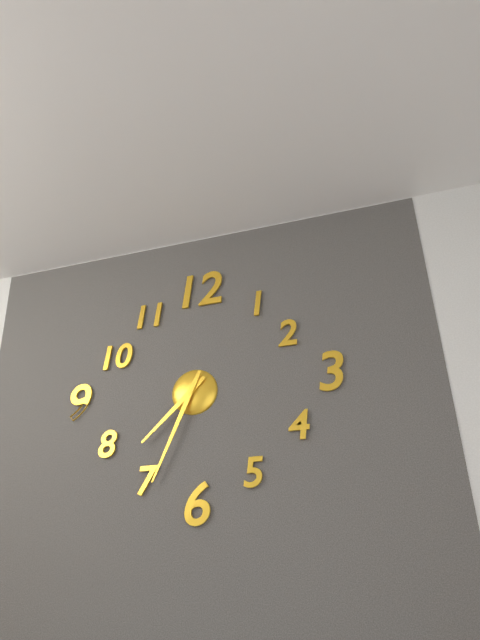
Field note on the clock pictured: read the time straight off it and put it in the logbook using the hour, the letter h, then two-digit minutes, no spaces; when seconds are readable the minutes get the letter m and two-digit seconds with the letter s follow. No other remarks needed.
7h34
